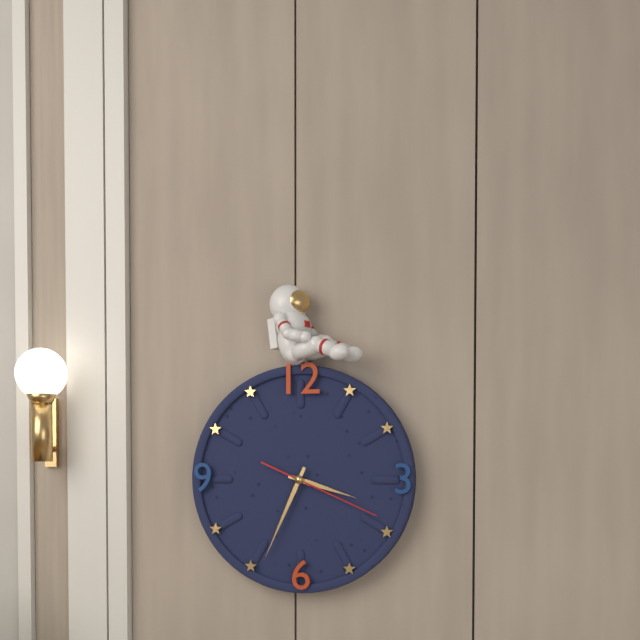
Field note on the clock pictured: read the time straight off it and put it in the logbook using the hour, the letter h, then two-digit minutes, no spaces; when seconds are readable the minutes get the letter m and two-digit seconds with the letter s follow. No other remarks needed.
3h34m19s
